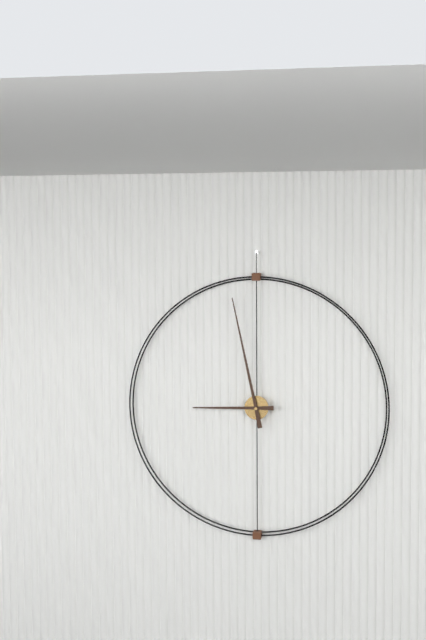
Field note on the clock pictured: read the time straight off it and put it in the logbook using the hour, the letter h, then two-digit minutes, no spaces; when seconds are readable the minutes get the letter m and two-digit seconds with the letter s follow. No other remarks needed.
8h58
